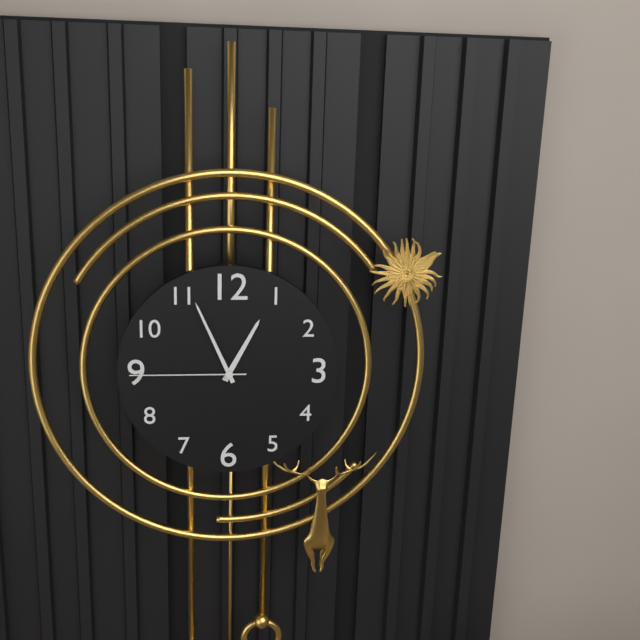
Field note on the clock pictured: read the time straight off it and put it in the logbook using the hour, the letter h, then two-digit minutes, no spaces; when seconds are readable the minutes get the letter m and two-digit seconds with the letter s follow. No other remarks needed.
12h56m45s
